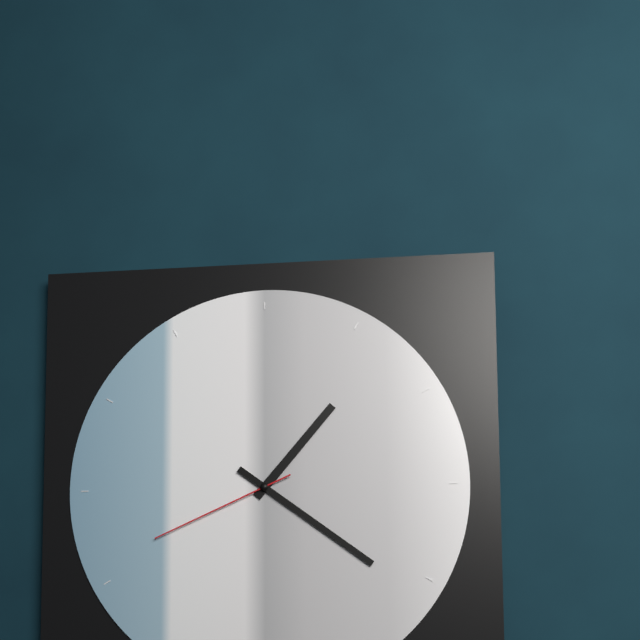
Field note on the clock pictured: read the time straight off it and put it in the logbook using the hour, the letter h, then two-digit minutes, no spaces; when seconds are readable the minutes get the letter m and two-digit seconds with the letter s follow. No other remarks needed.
1h21m41s
